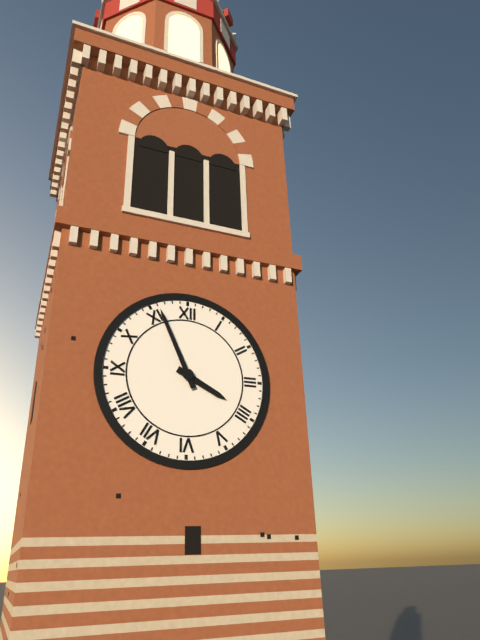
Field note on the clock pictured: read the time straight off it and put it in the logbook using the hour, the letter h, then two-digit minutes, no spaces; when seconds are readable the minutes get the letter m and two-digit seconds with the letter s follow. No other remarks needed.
3h56
